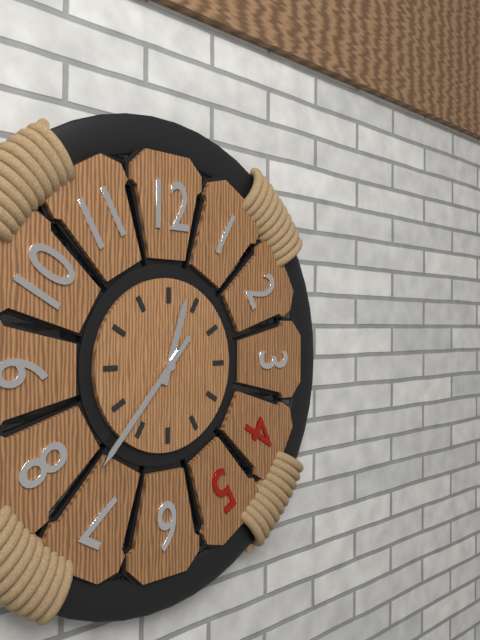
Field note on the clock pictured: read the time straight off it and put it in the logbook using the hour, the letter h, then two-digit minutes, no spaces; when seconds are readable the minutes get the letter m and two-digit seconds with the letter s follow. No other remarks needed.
12h37
